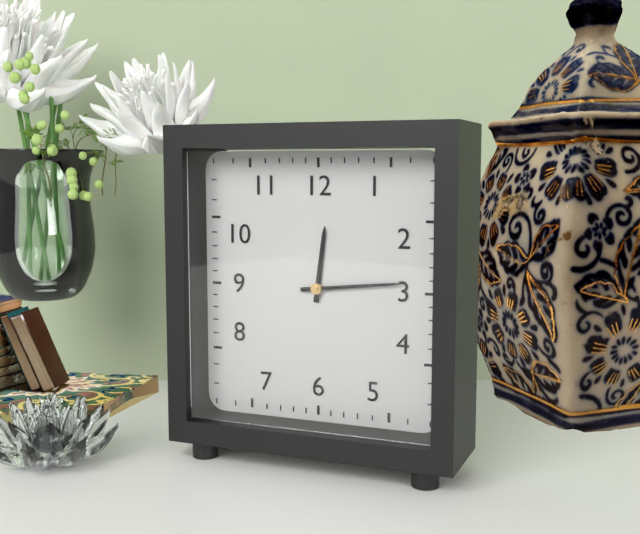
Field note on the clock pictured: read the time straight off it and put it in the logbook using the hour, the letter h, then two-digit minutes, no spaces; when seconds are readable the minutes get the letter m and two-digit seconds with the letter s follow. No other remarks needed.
12h14
